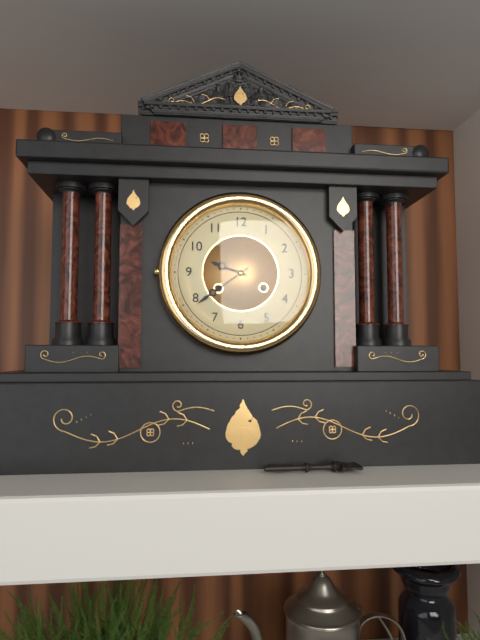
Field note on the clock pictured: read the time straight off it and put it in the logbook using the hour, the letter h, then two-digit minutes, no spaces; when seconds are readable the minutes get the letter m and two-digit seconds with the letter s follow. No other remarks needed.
9h39
